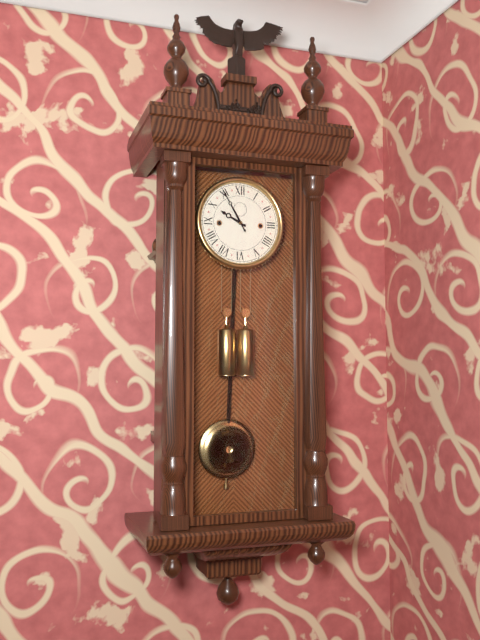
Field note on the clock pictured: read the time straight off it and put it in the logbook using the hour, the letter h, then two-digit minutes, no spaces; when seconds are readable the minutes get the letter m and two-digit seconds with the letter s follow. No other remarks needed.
9h55
